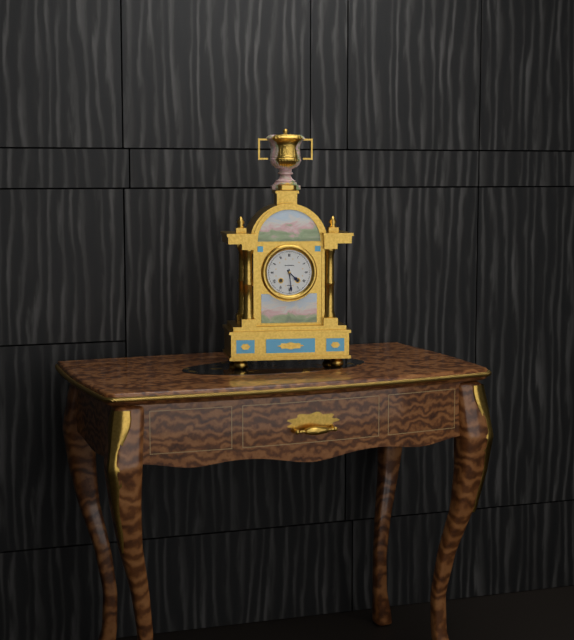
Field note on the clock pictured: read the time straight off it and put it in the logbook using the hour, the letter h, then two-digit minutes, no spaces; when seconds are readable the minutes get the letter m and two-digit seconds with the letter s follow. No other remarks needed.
4h29
